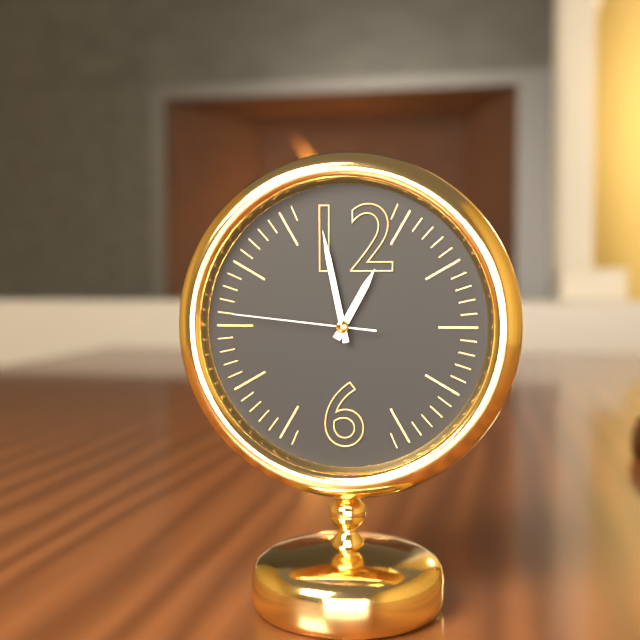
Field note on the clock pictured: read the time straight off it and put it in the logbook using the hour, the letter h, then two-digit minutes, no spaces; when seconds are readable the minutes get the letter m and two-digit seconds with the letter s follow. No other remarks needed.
12h58m46s
